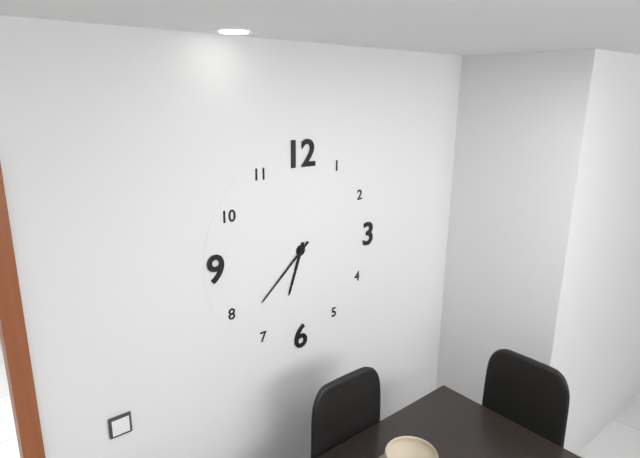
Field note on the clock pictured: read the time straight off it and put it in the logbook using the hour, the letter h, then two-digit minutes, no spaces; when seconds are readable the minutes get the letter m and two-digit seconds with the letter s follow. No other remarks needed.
6h38
